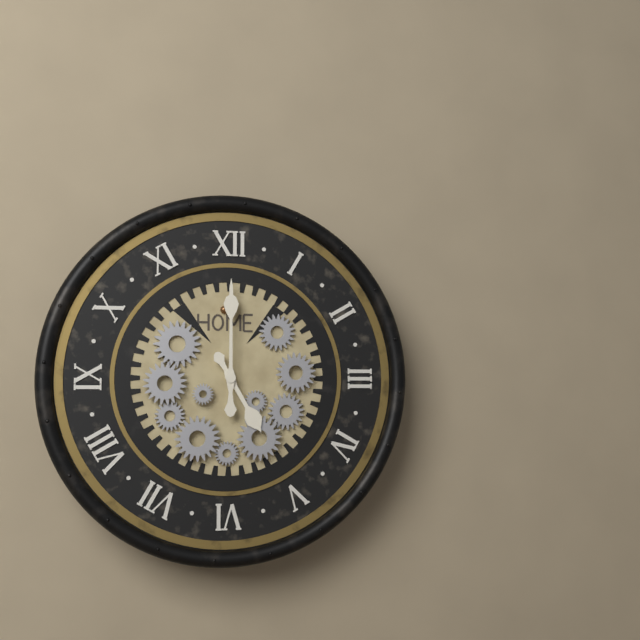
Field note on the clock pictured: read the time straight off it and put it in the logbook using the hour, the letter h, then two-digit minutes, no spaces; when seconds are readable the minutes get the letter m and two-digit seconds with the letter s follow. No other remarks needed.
5h00
